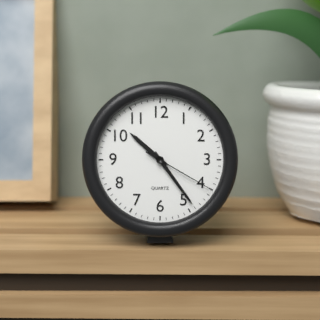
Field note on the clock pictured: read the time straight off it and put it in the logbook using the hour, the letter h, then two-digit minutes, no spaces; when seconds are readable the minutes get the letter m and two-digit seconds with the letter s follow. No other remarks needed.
10h24m20s
